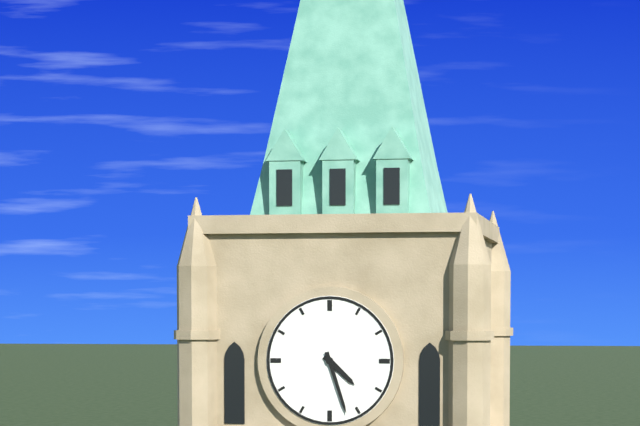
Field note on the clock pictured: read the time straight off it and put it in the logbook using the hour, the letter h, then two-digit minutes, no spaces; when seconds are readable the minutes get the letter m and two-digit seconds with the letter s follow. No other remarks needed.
4h27
